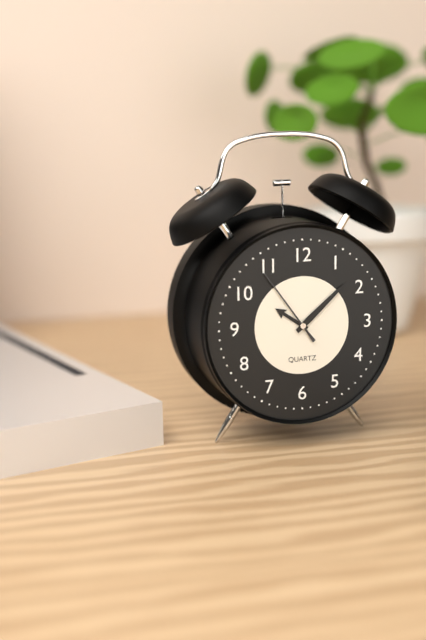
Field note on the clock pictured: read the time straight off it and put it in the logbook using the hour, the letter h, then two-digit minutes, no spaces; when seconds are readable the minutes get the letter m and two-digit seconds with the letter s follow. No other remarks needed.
10h08m54s
